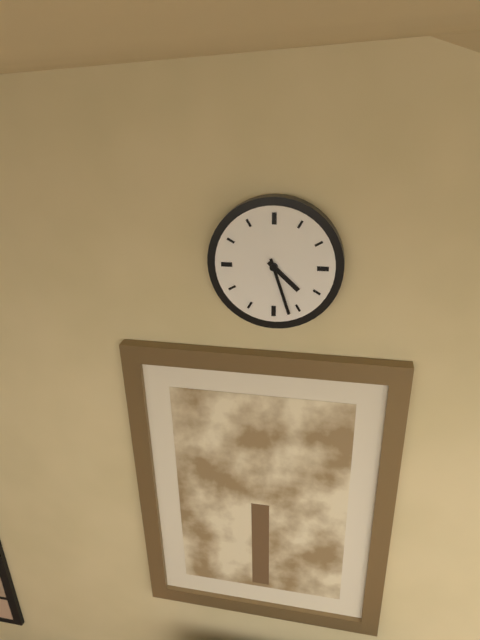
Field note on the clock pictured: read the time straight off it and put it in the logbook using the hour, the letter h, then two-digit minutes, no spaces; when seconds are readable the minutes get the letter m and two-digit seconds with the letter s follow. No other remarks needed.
4h27
